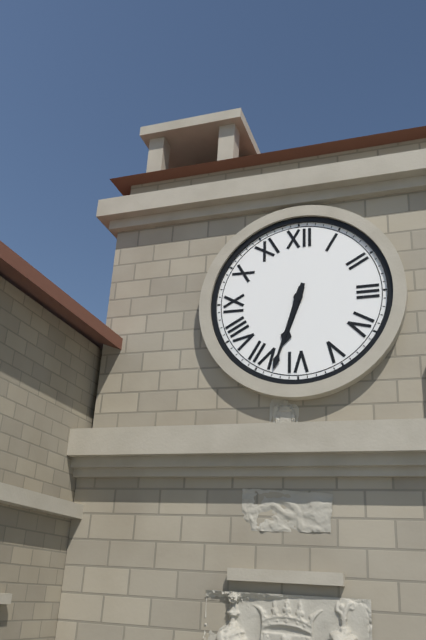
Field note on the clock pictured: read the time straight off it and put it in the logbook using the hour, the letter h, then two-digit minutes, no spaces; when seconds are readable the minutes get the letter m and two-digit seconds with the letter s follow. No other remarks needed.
6h33
